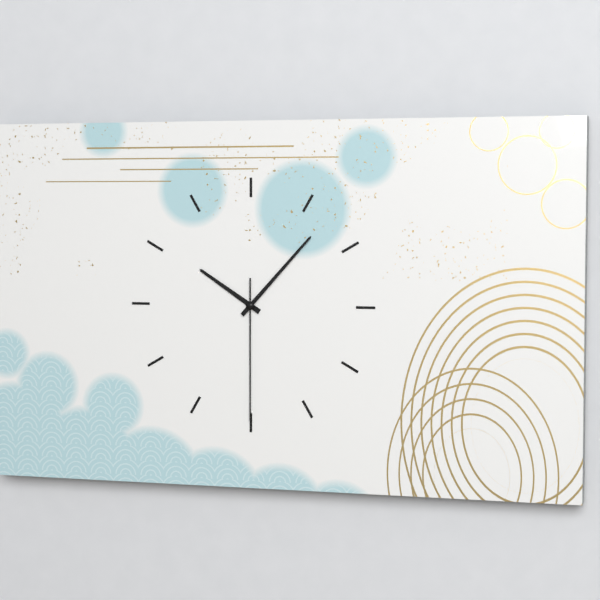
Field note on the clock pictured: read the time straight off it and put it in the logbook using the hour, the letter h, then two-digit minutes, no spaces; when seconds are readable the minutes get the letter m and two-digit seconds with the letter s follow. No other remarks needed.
10h07m30s
